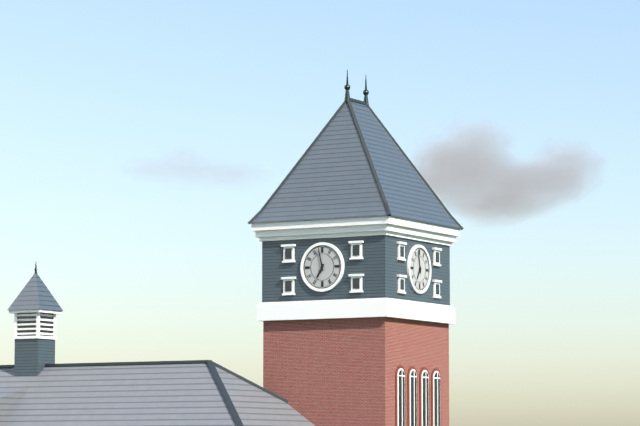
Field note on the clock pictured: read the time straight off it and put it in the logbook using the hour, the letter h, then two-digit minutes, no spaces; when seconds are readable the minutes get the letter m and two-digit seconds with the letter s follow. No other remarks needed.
6h58
